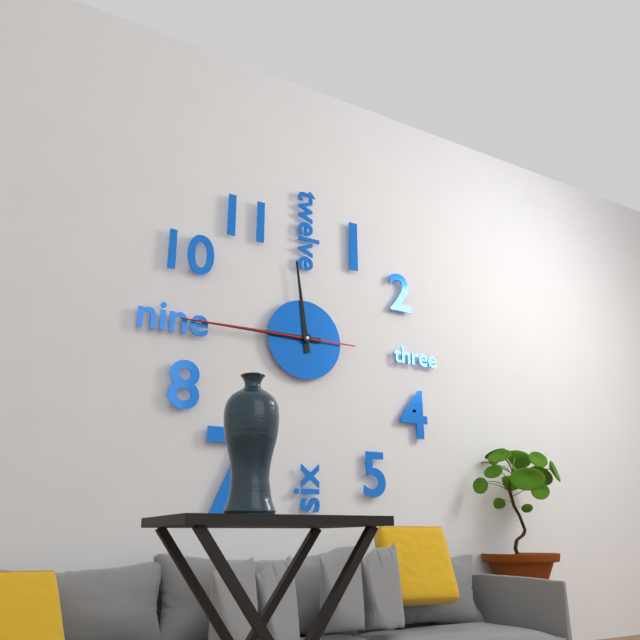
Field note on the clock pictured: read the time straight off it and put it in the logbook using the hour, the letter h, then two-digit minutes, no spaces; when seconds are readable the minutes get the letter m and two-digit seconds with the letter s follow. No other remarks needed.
11h45m45s
